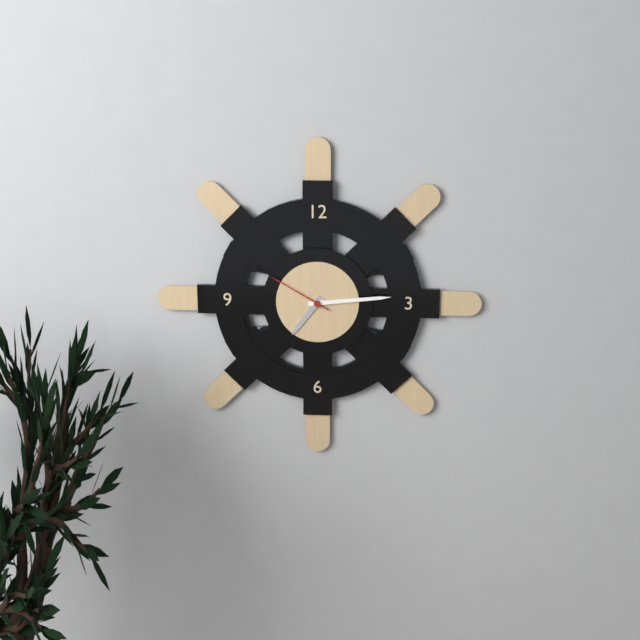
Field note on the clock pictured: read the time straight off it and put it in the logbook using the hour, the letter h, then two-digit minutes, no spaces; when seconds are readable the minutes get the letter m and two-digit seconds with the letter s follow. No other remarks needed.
7h14m50s
